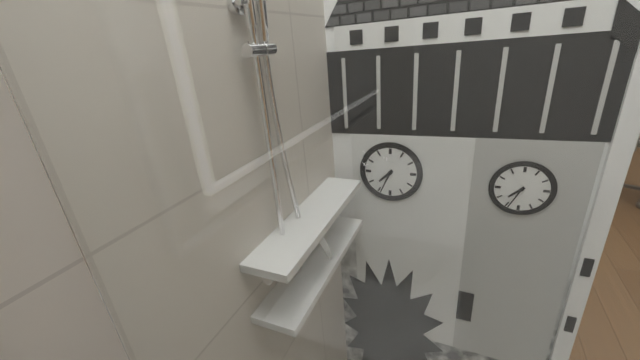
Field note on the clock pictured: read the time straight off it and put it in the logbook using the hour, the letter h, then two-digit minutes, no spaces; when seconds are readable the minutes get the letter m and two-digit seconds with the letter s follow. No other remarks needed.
7h34
